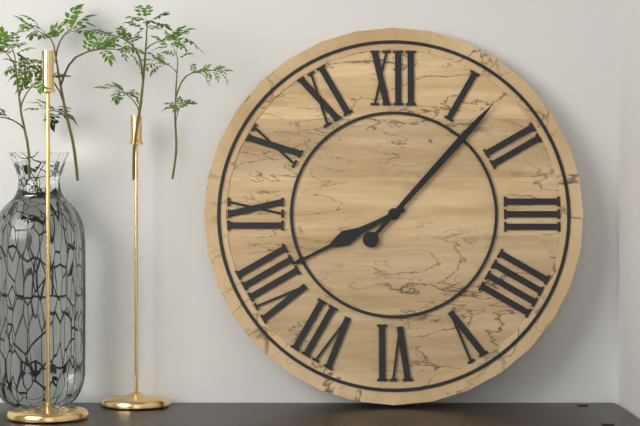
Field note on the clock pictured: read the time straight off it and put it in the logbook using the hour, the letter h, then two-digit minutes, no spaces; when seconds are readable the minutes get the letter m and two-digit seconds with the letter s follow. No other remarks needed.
8h07
